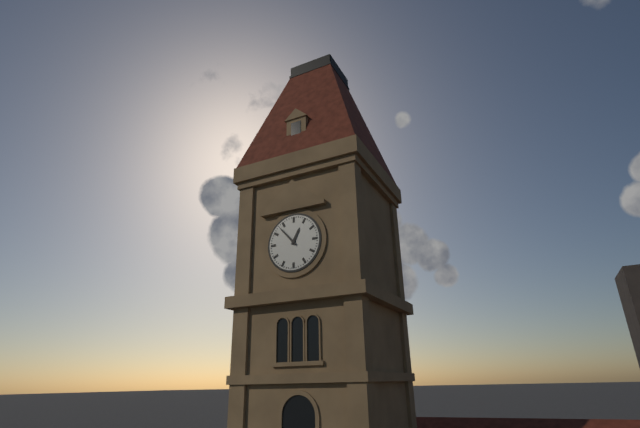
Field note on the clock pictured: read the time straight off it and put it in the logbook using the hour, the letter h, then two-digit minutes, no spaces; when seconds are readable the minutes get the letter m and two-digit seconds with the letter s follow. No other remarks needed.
12h53
